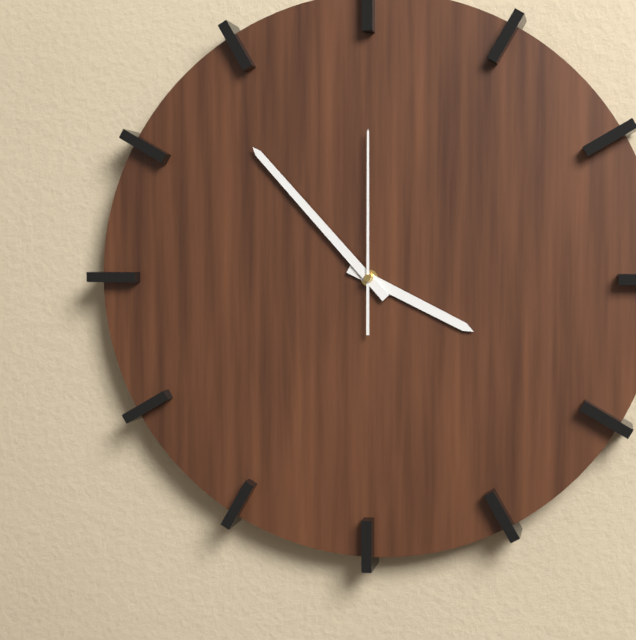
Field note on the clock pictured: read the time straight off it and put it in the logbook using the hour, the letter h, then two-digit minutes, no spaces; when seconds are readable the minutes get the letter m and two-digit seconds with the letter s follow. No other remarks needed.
3h53m00s
